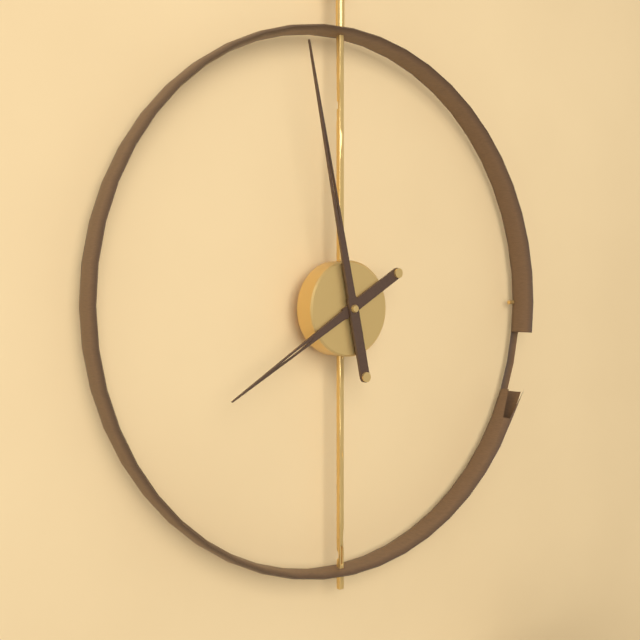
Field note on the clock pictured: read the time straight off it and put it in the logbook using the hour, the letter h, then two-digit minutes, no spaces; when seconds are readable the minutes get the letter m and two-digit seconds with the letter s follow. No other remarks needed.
7h58
